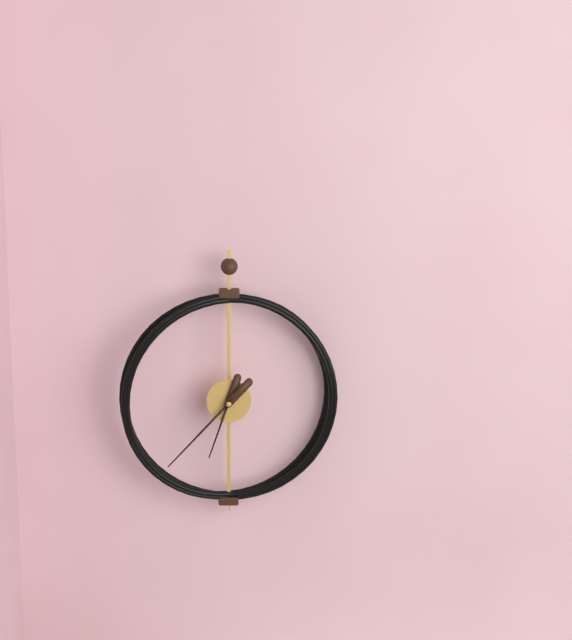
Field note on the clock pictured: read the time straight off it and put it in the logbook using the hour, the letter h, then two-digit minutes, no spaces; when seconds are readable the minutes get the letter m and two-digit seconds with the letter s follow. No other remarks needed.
6h37
